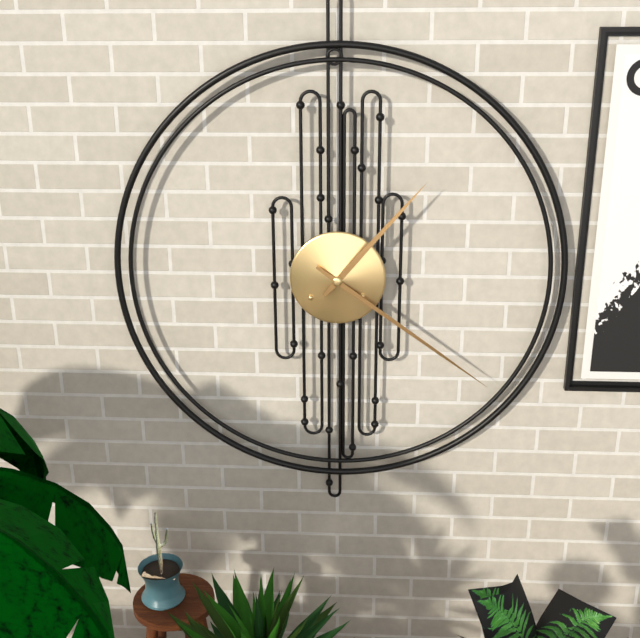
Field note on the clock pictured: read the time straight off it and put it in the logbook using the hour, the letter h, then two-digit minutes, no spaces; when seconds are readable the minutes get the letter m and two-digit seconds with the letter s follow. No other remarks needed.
1h21
